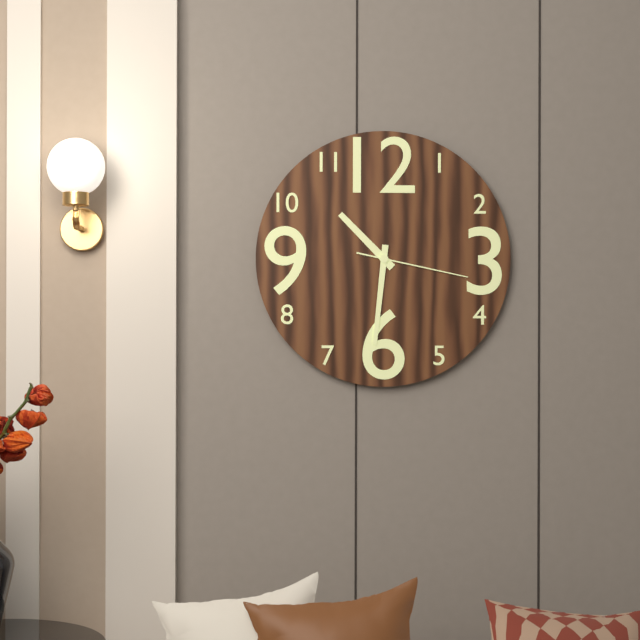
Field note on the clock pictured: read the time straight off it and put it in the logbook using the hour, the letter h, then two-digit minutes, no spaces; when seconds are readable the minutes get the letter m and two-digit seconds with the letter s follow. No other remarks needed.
10h31m17s
